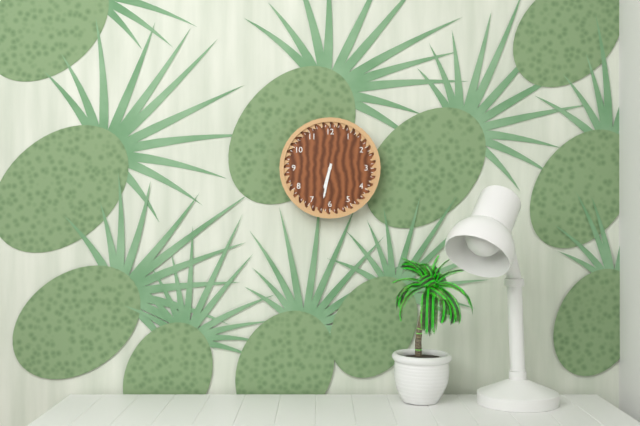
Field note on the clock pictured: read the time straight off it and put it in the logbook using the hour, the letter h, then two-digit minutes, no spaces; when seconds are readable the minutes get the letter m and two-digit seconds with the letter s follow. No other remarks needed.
6h32
